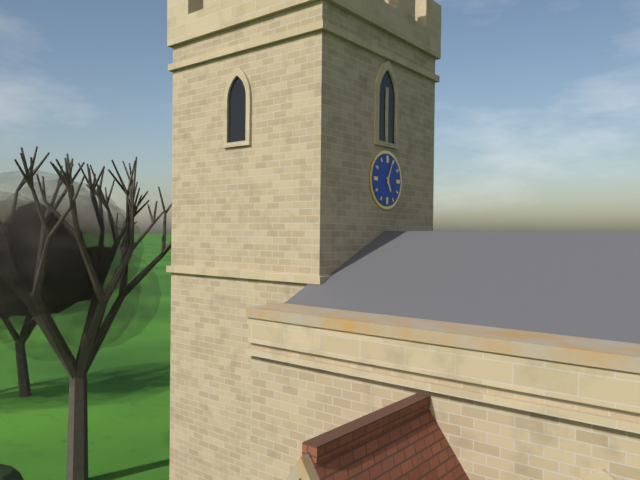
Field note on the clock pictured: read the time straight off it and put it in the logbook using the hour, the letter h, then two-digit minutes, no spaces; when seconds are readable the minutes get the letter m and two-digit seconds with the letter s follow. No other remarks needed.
5h04
